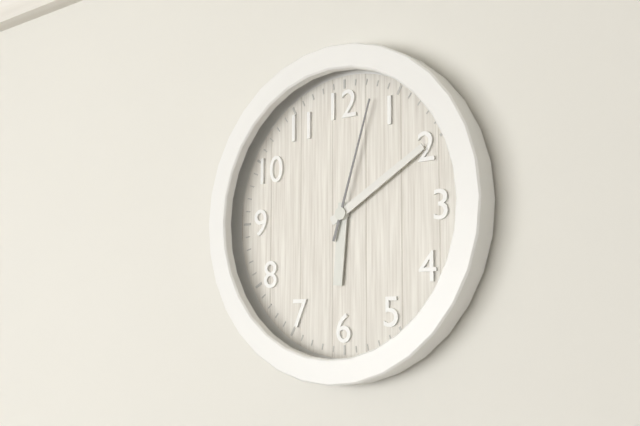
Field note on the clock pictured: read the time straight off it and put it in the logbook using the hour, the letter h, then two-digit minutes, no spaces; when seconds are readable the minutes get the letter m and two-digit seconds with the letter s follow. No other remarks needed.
6h10m03s
